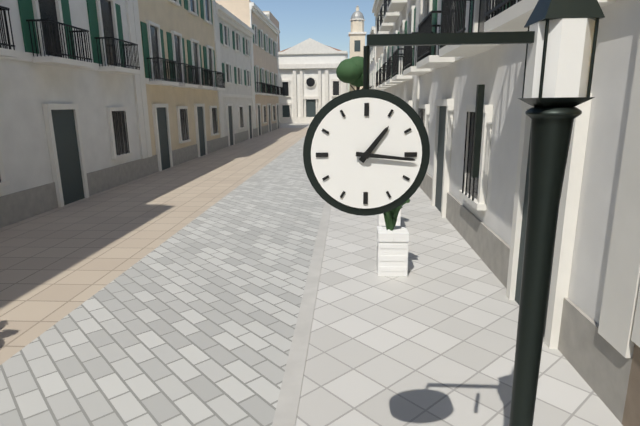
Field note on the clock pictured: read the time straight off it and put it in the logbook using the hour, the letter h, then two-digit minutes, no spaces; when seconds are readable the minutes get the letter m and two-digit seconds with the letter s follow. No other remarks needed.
1h16
